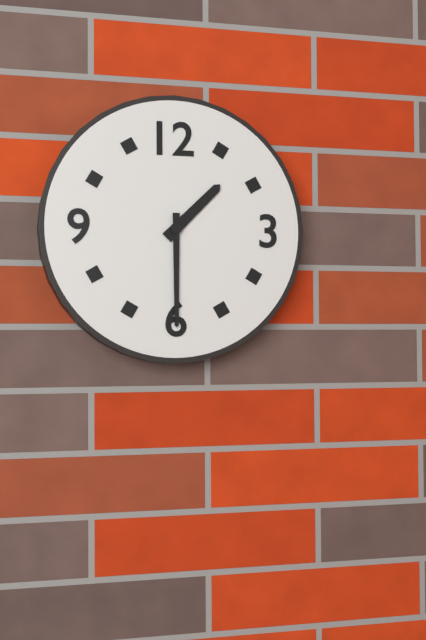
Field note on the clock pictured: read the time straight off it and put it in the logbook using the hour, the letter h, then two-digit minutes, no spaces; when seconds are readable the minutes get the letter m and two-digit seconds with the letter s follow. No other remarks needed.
1h30
